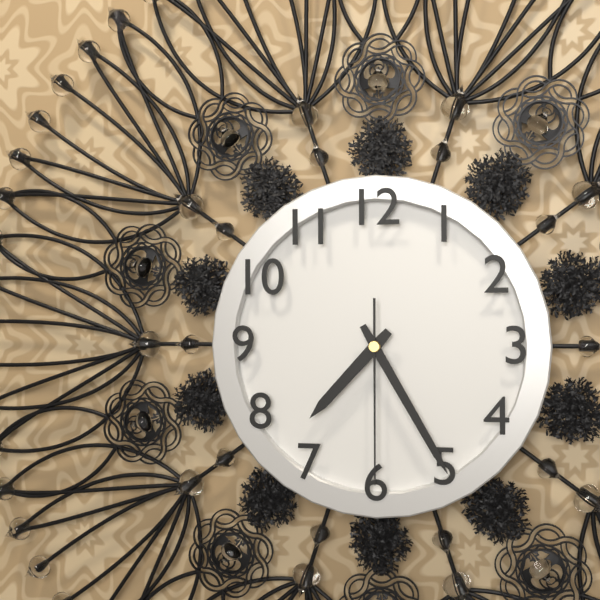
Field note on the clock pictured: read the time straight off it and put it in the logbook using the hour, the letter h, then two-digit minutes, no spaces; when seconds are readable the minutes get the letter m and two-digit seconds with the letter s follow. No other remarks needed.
7h25m30s
